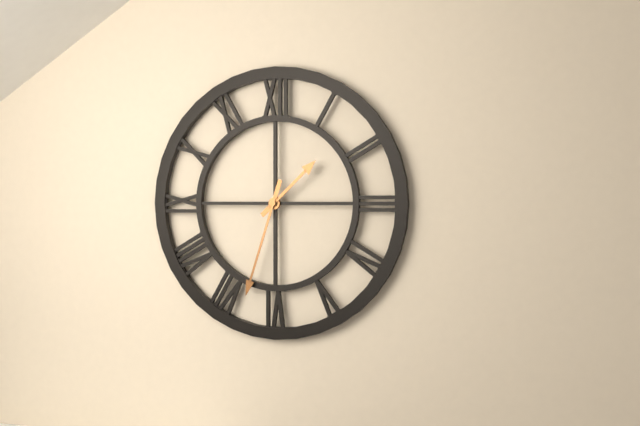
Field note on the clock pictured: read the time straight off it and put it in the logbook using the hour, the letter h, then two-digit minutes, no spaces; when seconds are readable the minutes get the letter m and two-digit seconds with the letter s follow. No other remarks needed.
1h33
